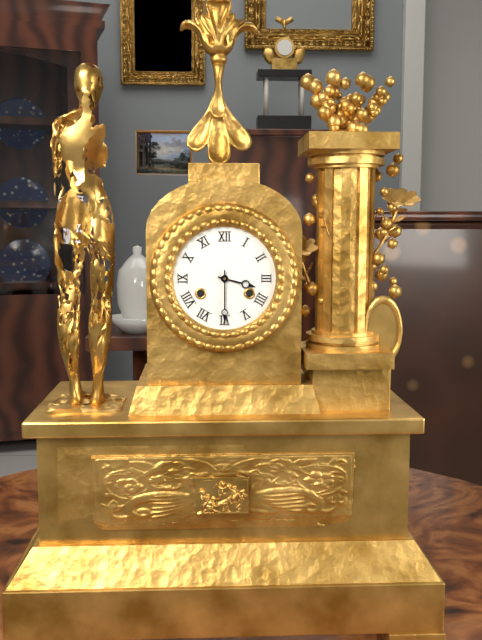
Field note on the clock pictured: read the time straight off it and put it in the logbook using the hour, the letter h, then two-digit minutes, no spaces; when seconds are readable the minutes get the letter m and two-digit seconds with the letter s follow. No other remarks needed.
3h30
